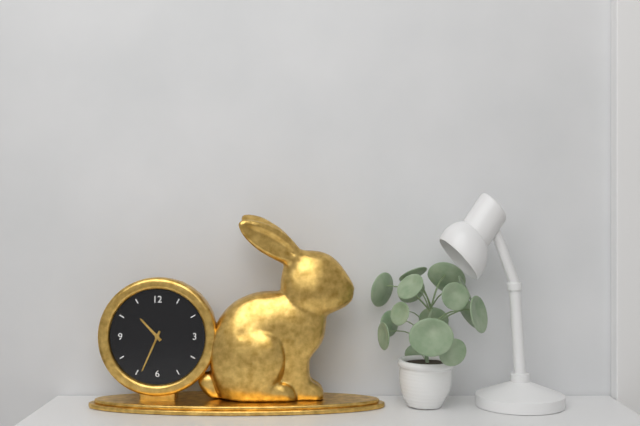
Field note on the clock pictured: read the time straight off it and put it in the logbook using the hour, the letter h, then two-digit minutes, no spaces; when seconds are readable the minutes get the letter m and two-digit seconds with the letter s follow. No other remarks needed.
10h34
